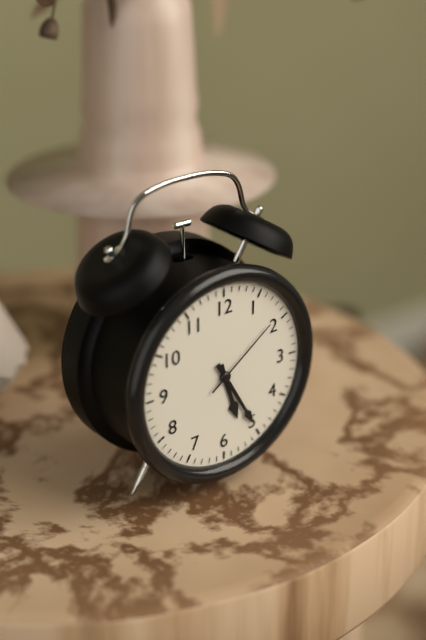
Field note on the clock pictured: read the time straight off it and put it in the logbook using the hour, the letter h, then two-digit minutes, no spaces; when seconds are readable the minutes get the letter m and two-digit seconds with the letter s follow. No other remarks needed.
5h25m09s
